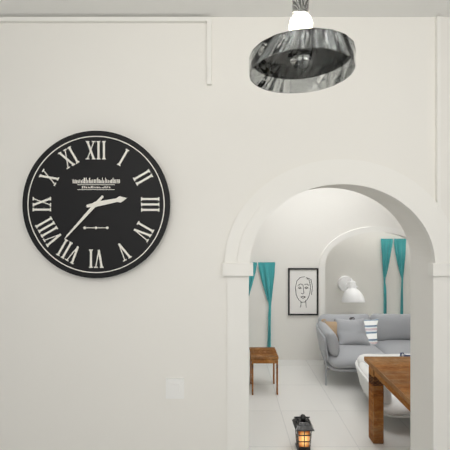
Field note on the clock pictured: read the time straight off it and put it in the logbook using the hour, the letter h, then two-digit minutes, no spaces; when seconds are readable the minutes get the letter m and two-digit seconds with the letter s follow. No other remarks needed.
2h37
